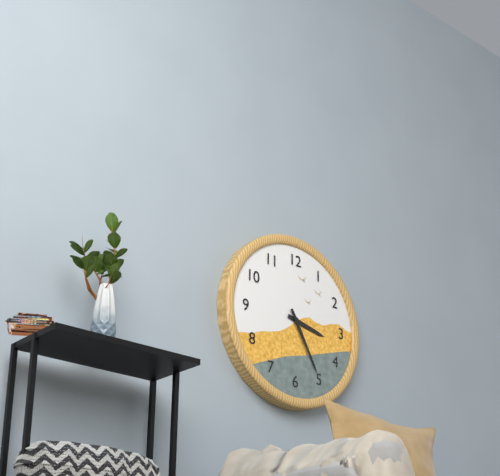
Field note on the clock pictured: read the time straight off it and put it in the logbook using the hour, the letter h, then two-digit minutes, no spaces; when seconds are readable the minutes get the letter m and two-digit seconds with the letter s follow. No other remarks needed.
3h25
